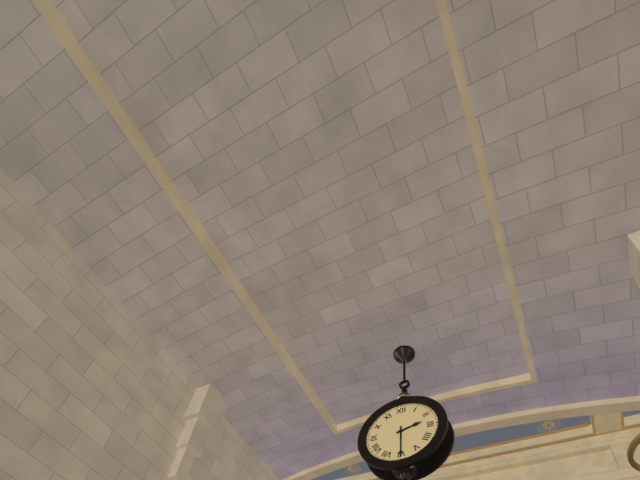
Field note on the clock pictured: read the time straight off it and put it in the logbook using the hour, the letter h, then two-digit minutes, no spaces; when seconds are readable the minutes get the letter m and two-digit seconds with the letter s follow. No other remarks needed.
2h30
